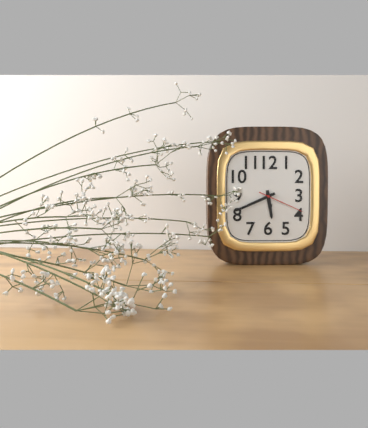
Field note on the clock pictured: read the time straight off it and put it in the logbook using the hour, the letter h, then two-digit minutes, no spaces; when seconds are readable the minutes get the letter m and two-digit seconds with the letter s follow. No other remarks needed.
5h41m19s
